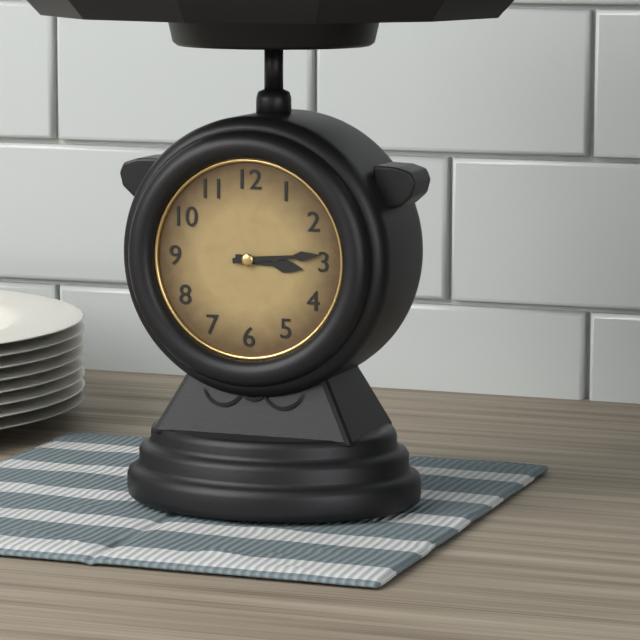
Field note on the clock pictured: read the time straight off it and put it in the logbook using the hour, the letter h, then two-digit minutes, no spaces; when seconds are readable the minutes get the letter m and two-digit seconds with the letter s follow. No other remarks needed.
3h14
